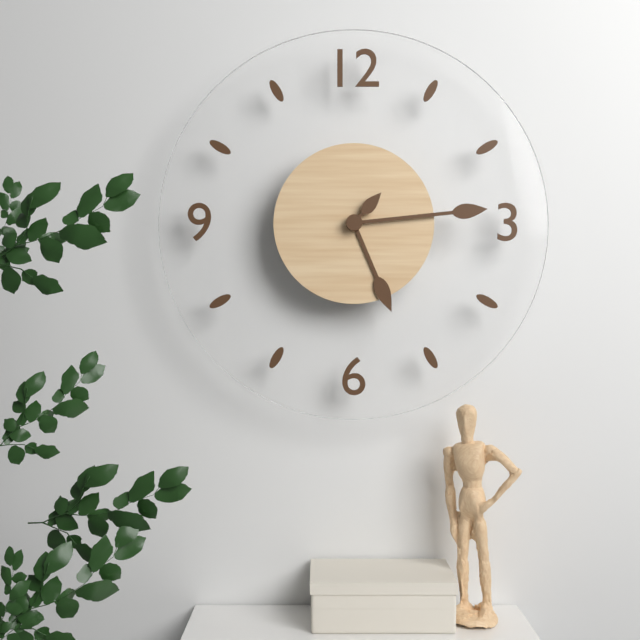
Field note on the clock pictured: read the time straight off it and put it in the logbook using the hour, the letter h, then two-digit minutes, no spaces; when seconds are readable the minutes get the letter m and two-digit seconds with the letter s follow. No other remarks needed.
5h14m07s
